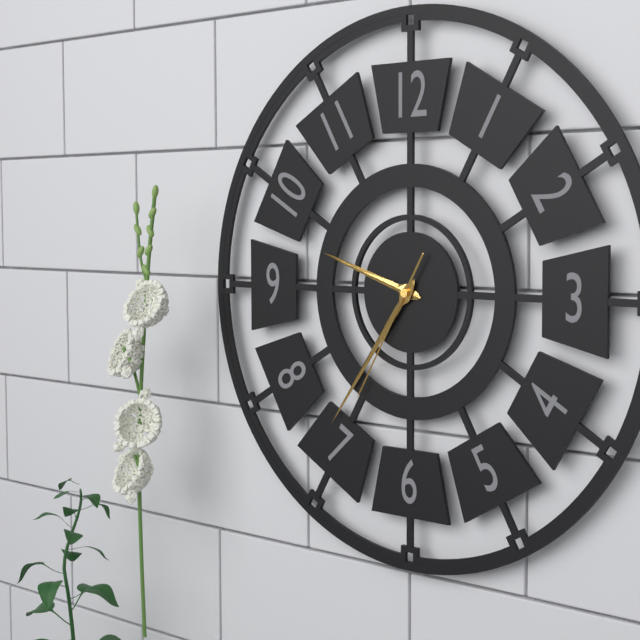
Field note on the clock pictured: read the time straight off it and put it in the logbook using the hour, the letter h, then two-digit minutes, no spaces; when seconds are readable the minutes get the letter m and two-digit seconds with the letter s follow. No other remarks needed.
9h36m35s
